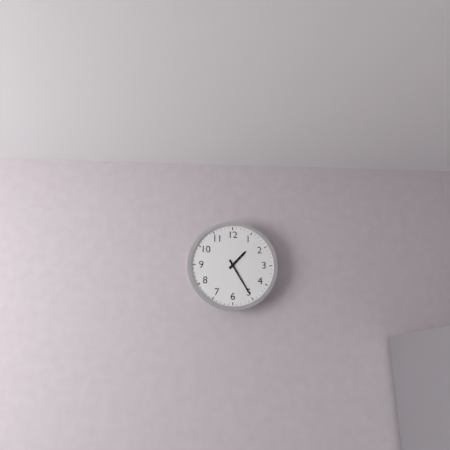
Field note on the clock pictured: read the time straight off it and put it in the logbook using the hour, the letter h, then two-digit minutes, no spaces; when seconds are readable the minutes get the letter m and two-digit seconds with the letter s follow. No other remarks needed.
1h25
